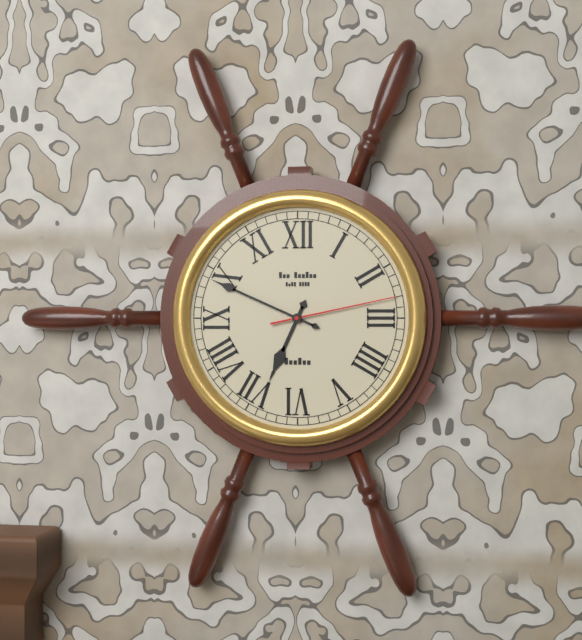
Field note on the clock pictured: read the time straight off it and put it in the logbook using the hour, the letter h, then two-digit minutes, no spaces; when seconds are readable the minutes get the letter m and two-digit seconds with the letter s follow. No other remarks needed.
6h49m13s
